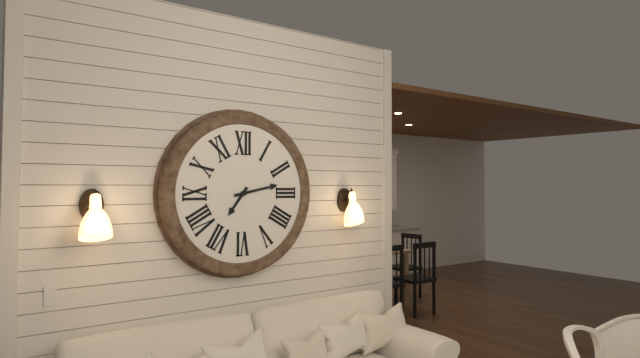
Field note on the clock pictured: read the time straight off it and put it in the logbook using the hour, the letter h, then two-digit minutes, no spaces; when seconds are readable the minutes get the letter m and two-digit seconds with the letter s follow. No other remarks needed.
7h13
